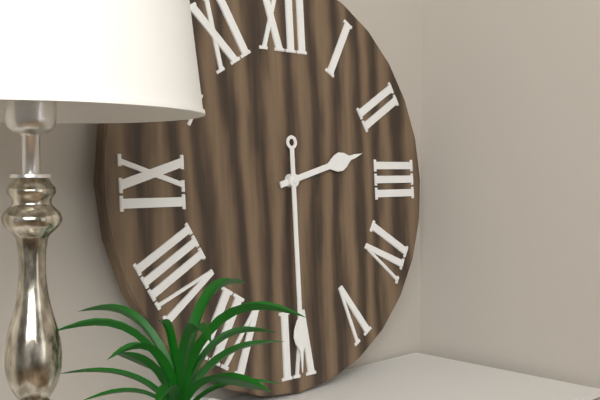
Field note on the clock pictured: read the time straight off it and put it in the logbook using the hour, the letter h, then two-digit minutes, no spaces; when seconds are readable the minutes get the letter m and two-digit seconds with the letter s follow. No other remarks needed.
2h30
